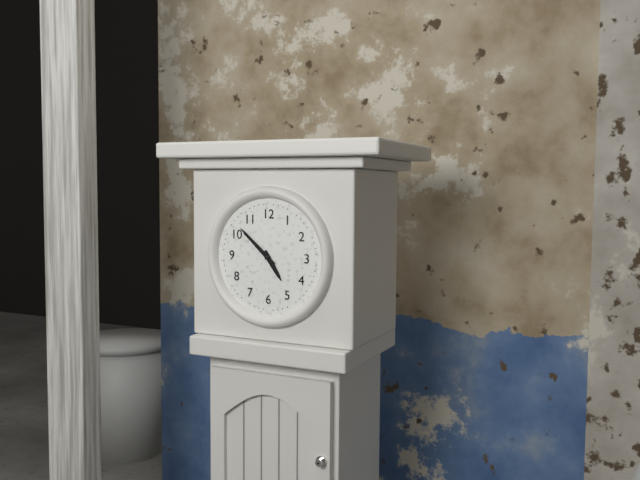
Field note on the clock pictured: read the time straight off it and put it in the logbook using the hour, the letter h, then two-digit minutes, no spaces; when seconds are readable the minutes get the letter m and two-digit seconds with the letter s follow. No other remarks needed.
4h52
